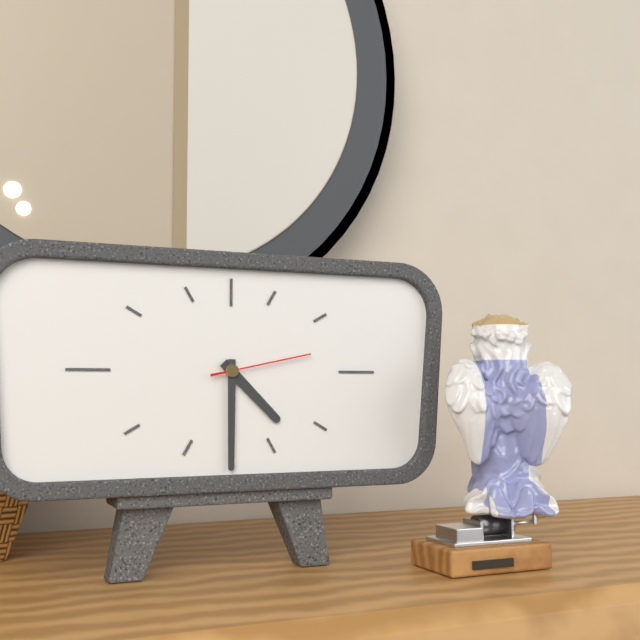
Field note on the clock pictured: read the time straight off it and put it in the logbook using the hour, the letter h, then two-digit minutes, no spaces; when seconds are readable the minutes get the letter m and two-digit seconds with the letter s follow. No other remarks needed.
4h30m13s
